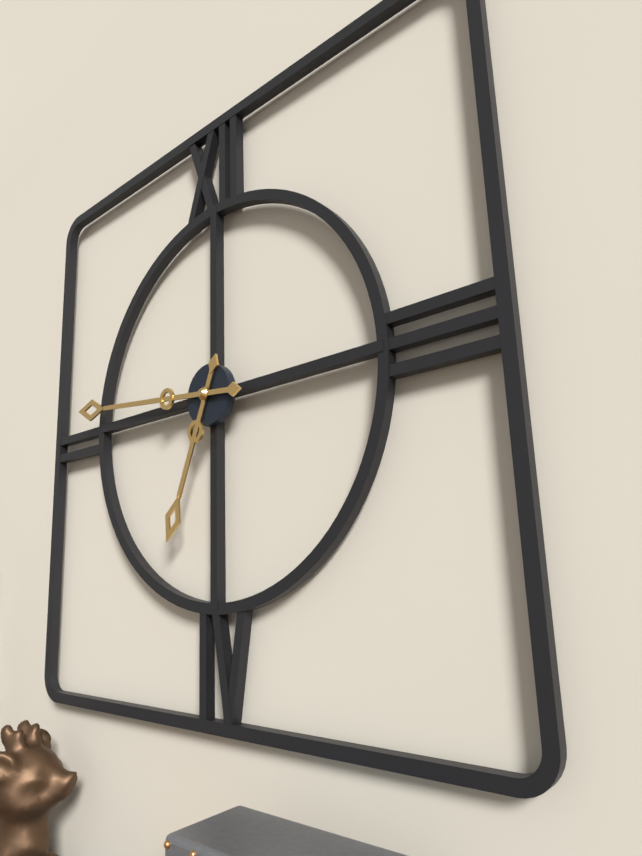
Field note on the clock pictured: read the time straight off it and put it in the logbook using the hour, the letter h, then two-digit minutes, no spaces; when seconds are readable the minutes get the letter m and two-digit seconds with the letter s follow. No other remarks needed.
6h46
